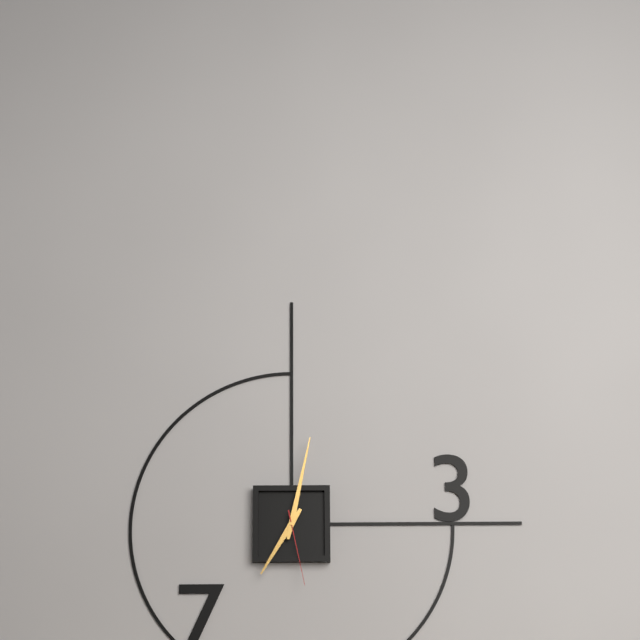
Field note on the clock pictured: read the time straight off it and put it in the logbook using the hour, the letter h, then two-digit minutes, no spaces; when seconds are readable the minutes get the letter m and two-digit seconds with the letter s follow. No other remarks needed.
7h02m28s
